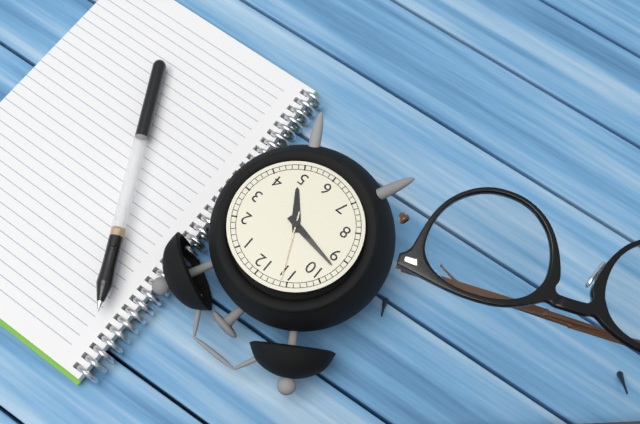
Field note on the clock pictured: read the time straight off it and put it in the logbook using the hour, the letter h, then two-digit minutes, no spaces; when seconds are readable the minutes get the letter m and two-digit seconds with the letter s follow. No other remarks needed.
4h47m56s
